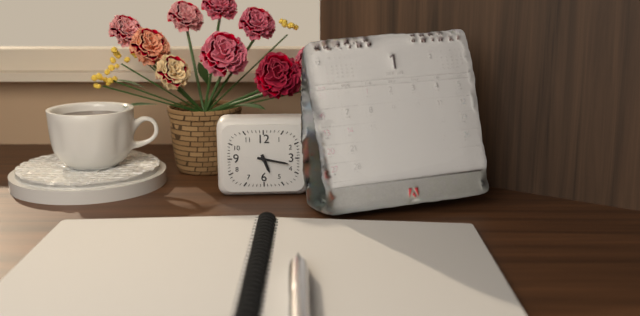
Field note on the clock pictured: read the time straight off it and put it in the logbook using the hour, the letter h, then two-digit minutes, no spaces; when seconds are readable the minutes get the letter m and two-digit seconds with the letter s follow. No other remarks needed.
5h17
